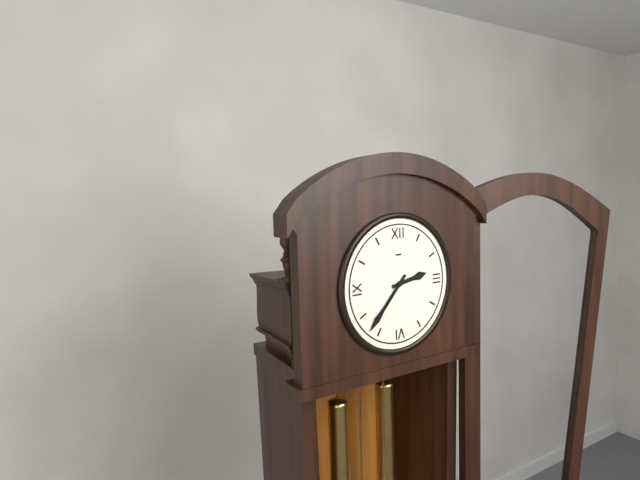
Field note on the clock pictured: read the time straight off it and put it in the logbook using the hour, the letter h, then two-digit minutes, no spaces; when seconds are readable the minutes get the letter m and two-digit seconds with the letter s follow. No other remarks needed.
2h37
